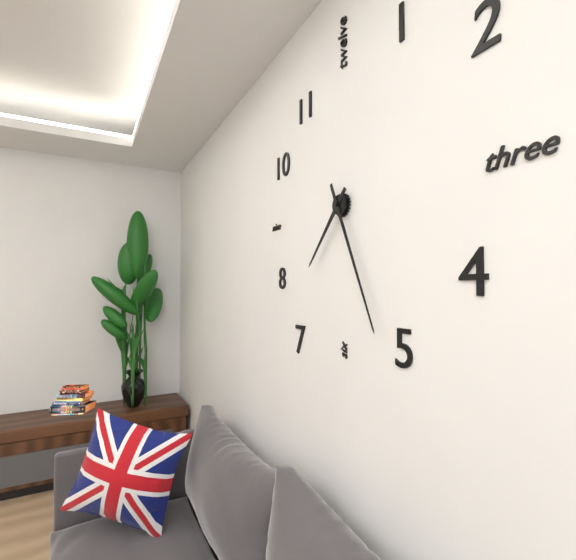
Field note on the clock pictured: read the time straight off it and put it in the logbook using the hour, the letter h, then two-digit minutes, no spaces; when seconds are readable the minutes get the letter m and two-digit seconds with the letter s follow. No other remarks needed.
7h26
